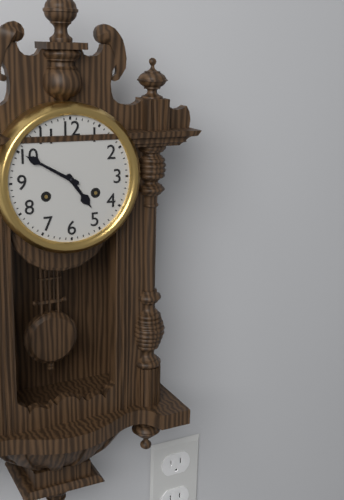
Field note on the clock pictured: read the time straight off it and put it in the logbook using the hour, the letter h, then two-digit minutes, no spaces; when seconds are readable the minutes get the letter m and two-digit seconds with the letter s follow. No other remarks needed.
4h50
